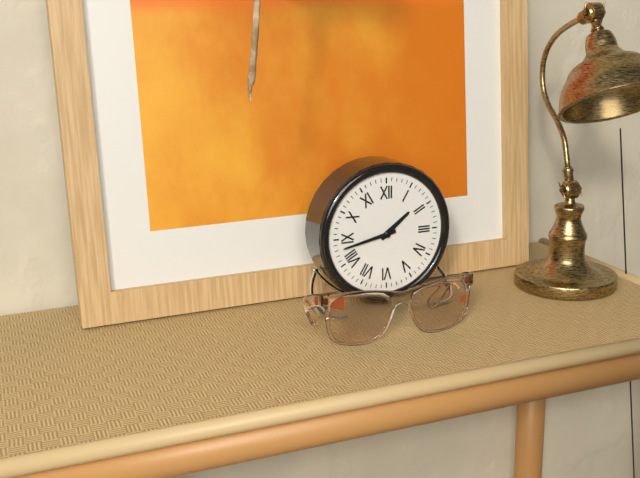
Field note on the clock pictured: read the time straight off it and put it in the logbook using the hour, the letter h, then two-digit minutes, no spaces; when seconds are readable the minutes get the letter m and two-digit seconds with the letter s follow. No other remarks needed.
1h43
